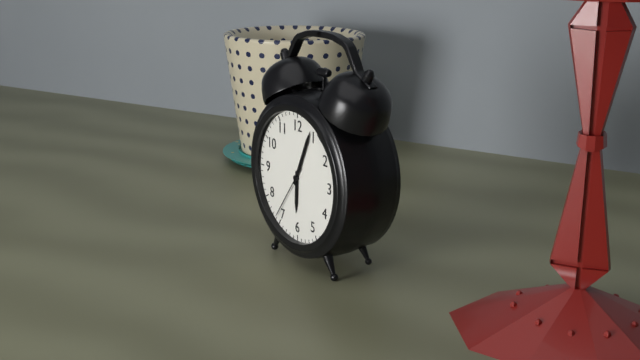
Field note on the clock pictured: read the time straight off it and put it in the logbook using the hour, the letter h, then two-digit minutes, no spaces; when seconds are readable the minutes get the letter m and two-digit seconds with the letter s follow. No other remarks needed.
6h04m36s
